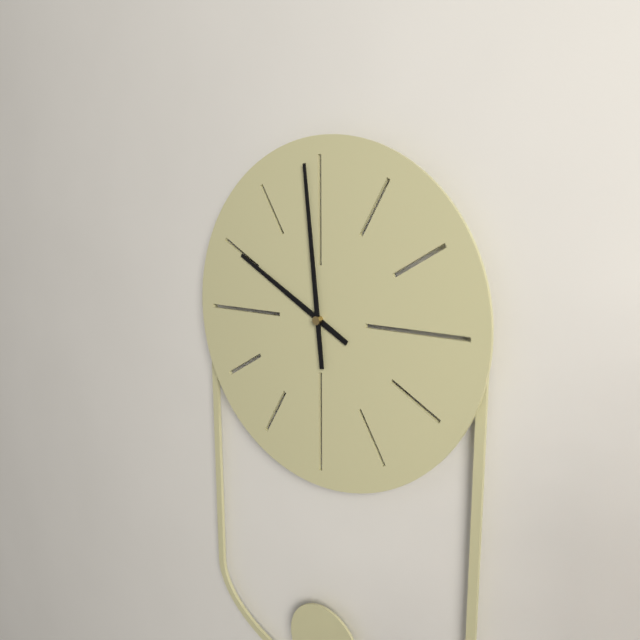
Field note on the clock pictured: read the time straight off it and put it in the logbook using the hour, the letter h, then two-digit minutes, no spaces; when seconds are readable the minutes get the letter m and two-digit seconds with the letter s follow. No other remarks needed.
9h59
